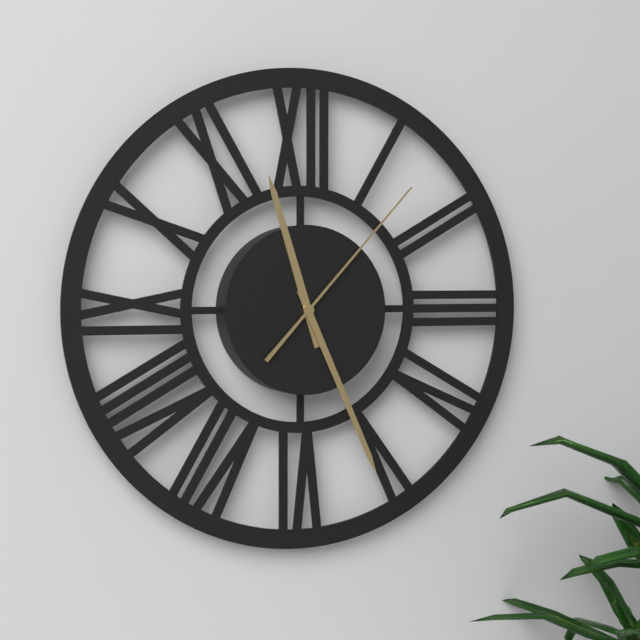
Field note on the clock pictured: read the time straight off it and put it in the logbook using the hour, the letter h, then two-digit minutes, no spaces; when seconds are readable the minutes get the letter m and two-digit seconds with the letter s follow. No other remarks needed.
11h26m07s
